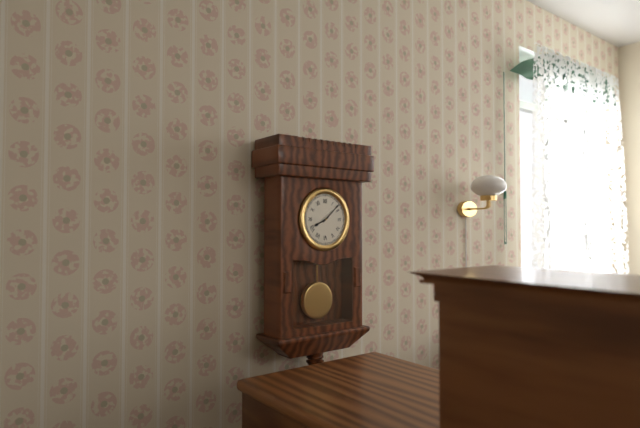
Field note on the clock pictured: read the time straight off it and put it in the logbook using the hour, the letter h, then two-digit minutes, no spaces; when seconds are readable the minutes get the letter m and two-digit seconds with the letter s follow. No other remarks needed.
8h08
